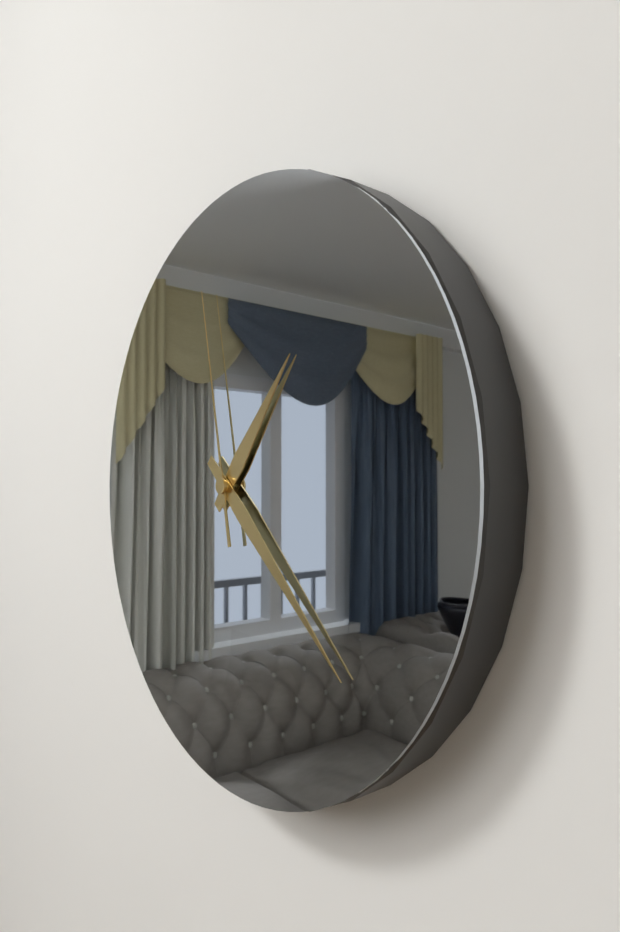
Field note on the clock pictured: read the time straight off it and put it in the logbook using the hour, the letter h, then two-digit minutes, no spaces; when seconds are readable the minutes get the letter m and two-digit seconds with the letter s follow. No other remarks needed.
1h22m58s
